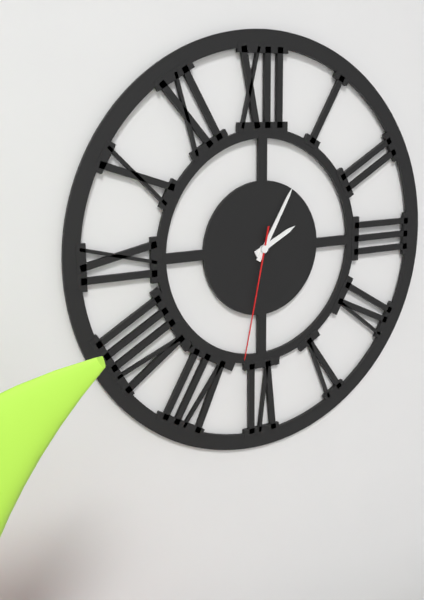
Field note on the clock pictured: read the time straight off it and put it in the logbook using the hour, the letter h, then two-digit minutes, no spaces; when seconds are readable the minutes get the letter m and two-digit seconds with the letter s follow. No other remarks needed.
2h05m32s
